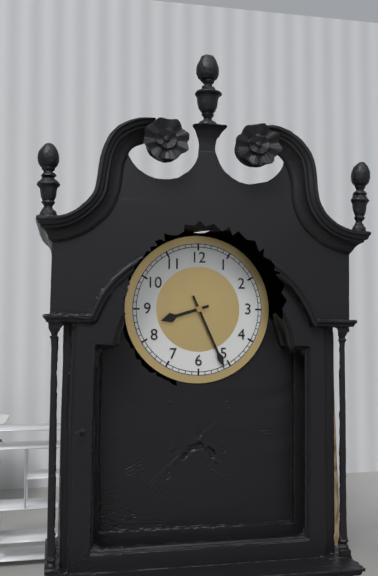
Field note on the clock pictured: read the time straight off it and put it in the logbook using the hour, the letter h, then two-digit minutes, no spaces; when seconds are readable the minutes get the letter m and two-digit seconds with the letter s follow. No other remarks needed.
8h26
